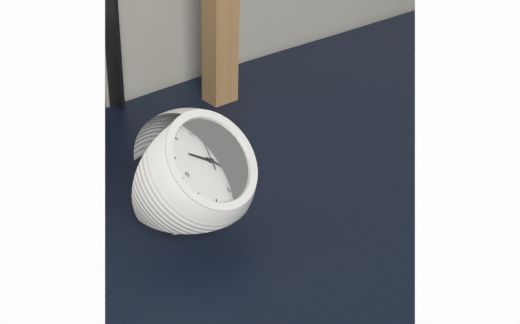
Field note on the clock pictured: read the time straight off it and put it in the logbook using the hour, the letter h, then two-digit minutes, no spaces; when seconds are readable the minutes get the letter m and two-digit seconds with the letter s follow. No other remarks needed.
10h24m02s
